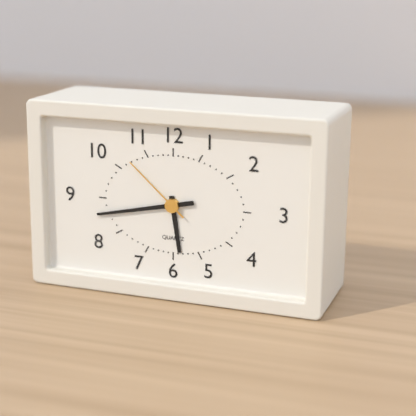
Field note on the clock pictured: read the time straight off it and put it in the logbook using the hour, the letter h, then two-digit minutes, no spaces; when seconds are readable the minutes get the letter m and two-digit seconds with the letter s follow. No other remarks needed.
5h43m52s
